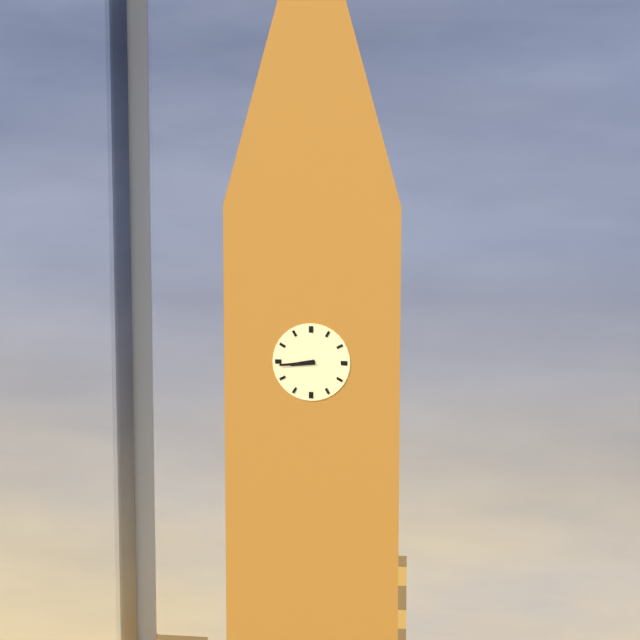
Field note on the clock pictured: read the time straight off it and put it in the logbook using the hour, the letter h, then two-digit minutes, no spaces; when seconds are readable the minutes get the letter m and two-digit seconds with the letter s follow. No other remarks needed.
8h44
